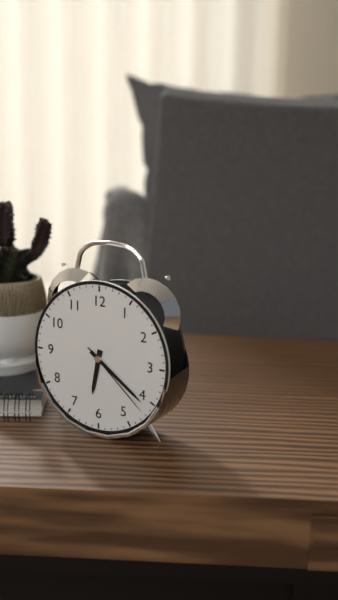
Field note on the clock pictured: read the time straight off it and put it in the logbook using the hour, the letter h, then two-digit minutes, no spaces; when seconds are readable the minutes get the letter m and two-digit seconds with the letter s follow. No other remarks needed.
6h21m22s
